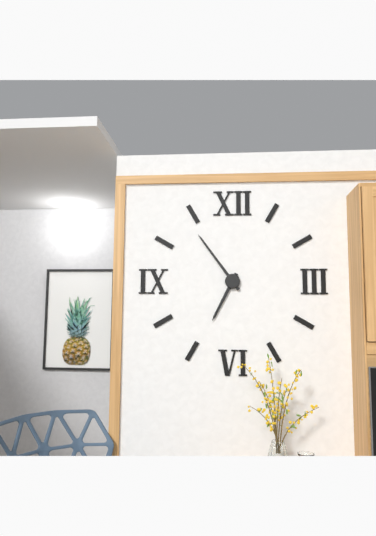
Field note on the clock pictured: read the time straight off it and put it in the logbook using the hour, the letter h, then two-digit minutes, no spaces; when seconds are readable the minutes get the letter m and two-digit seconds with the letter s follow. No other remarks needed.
6h54
